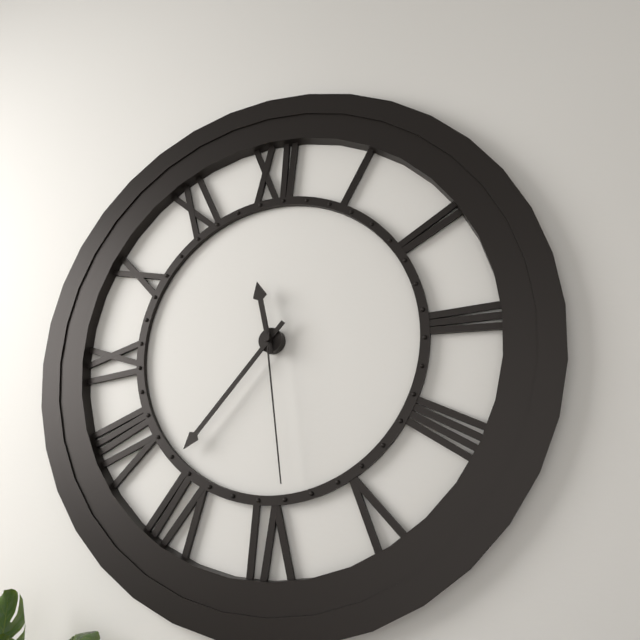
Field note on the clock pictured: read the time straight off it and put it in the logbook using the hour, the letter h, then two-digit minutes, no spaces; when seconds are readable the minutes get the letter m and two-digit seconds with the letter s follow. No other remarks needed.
11h37m29s
